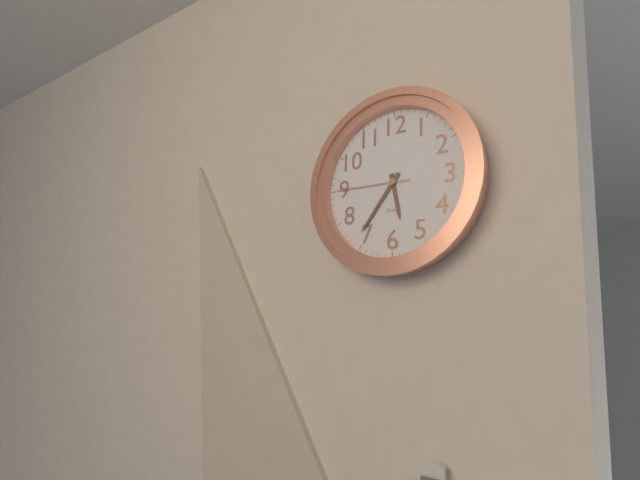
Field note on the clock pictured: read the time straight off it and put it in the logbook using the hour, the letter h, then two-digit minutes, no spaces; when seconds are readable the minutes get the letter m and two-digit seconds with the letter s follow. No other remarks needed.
5h36m45s
